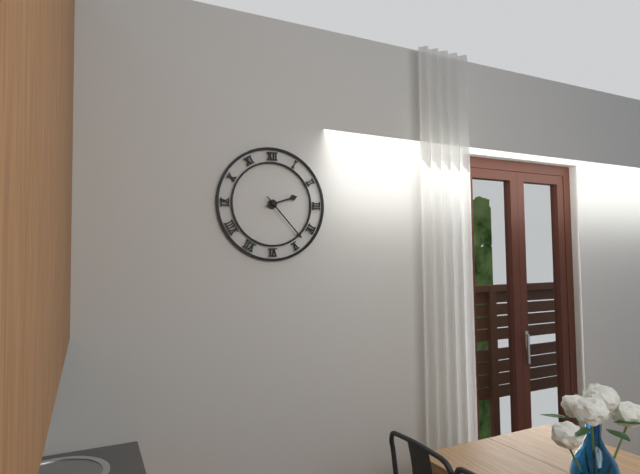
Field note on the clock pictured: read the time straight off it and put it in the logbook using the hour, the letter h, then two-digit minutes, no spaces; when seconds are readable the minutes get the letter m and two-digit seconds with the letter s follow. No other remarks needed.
2h23
